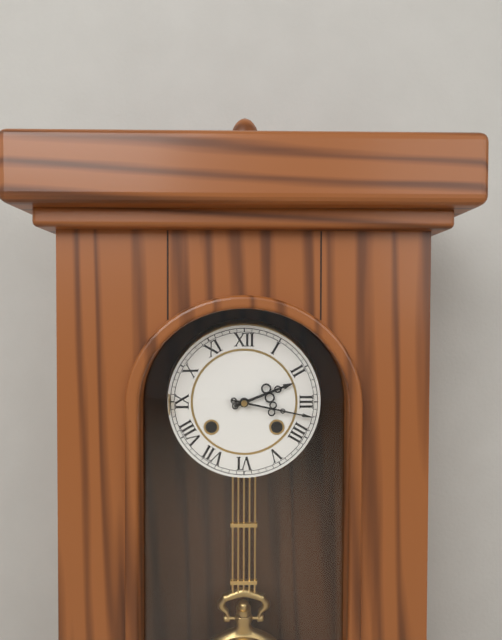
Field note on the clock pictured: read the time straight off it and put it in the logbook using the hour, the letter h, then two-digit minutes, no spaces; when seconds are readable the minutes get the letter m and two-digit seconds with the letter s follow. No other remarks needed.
2h17
